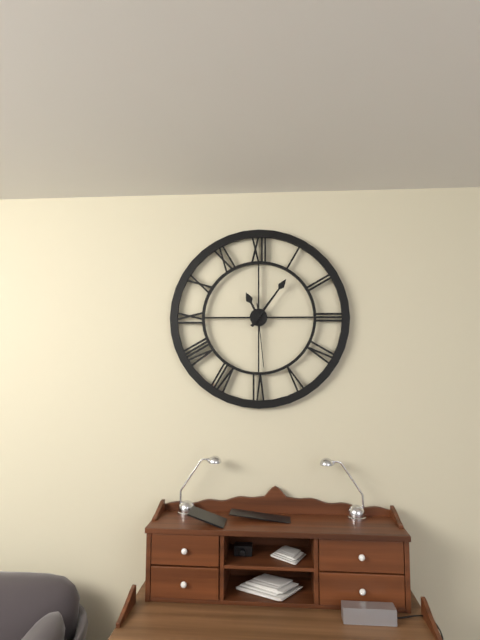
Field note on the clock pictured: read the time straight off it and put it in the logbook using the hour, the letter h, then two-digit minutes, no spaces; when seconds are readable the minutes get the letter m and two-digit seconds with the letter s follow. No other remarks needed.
11h06m29s
